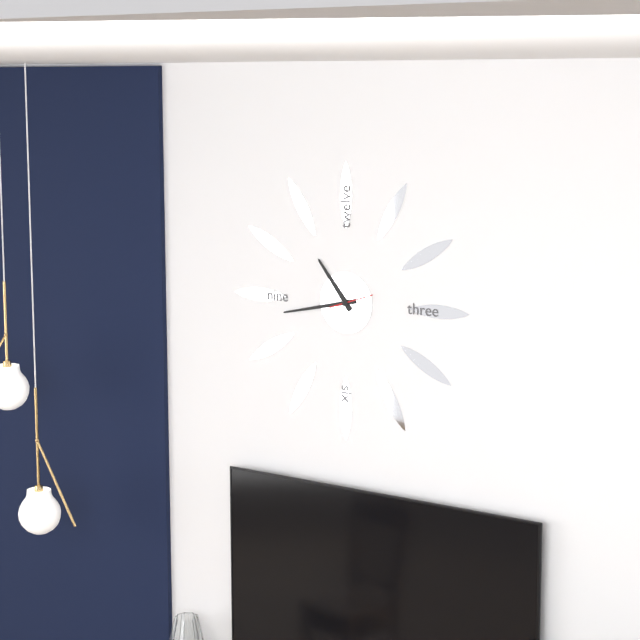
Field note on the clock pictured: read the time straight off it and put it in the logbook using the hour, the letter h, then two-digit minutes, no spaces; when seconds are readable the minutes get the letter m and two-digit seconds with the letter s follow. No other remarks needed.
10h43
